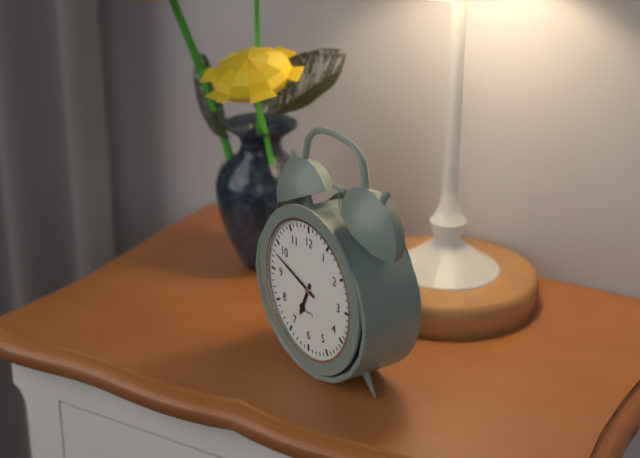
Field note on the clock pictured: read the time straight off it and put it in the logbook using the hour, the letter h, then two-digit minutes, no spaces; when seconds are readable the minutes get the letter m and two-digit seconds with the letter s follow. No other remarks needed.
6h48
